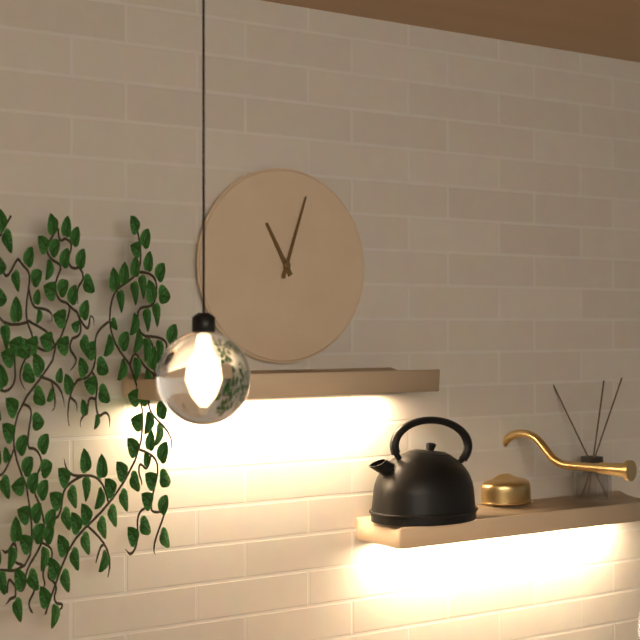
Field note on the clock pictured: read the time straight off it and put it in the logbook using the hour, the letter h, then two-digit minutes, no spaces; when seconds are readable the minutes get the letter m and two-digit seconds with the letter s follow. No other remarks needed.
11h03
